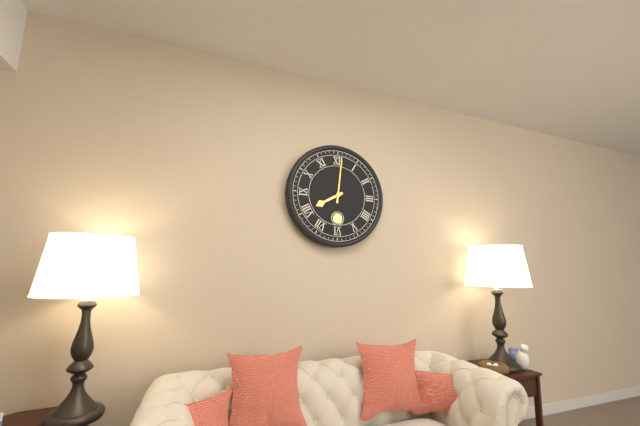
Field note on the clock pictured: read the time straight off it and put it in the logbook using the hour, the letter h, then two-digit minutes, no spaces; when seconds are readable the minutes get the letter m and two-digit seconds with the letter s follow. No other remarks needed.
8h01
